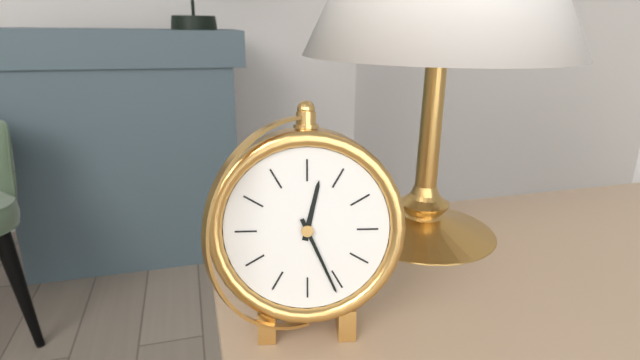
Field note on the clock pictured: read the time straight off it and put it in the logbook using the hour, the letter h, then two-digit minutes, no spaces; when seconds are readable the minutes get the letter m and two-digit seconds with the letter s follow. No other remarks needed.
12h26
